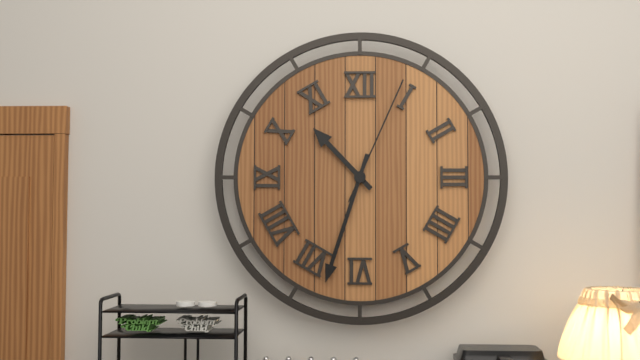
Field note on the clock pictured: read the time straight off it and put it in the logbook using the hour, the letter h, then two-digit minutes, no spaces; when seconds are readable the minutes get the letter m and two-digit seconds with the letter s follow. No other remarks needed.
10h33m04s
